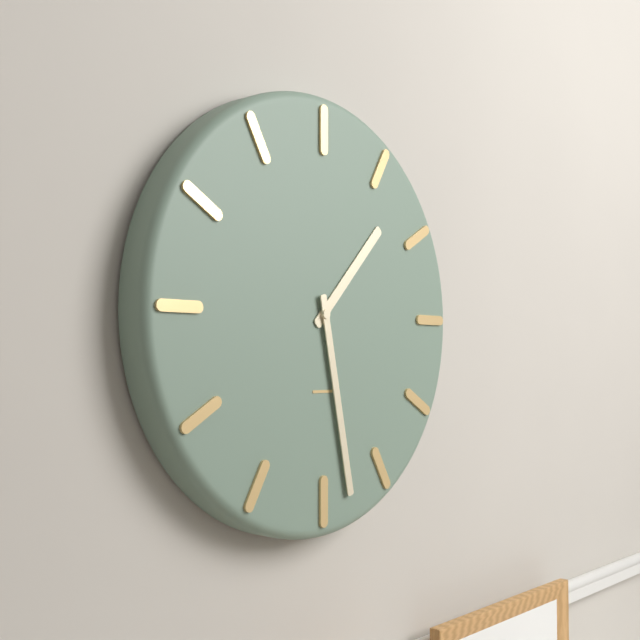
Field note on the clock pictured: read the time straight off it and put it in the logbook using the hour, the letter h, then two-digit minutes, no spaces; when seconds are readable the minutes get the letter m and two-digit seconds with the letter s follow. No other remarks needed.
1h28
